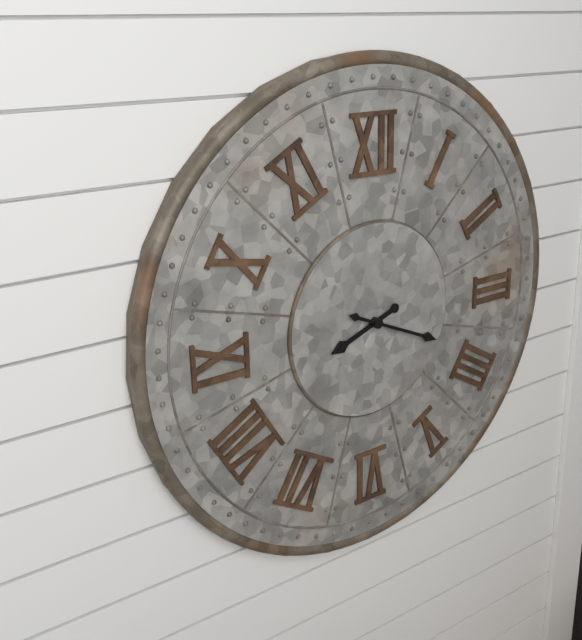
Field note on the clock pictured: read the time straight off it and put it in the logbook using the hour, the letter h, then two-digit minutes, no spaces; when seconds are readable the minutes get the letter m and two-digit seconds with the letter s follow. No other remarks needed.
8h19
